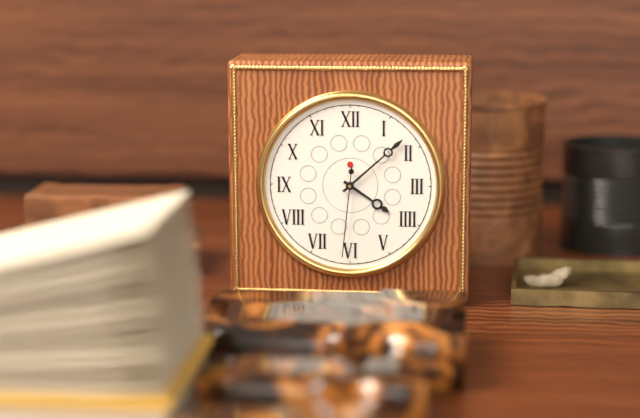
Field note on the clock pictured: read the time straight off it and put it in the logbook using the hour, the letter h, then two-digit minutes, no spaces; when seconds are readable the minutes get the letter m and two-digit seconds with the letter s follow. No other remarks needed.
4h08m31s
